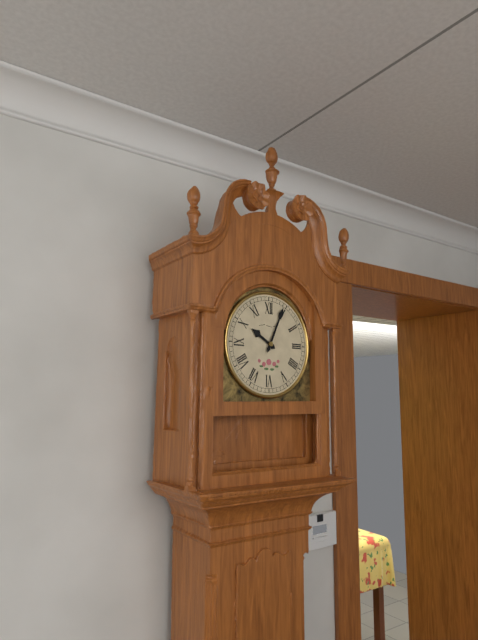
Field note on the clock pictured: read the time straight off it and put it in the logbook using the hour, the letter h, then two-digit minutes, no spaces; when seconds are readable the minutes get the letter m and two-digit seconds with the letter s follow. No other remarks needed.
10h04
